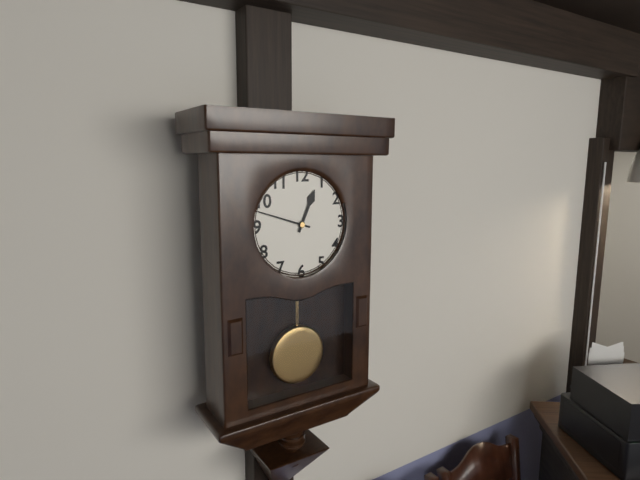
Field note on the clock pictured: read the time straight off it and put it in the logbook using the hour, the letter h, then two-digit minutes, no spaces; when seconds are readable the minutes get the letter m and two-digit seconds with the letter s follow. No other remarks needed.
12h48
